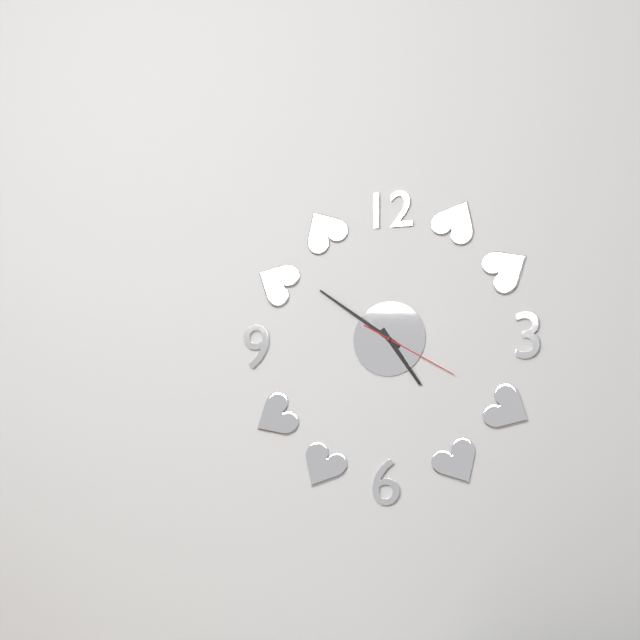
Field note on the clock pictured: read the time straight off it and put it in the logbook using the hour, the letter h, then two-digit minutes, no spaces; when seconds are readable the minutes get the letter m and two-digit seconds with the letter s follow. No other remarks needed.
4h51m20s
